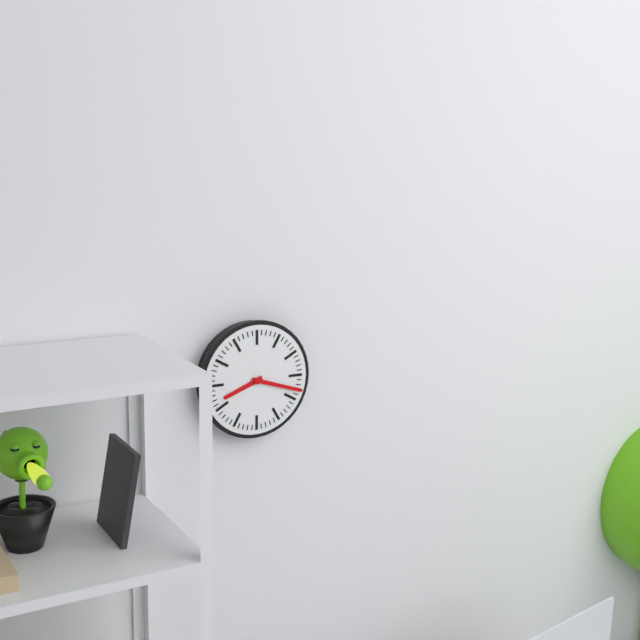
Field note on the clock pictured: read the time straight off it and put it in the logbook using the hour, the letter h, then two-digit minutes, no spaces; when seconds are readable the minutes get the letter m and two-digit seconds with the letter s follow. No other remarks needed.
8h18
